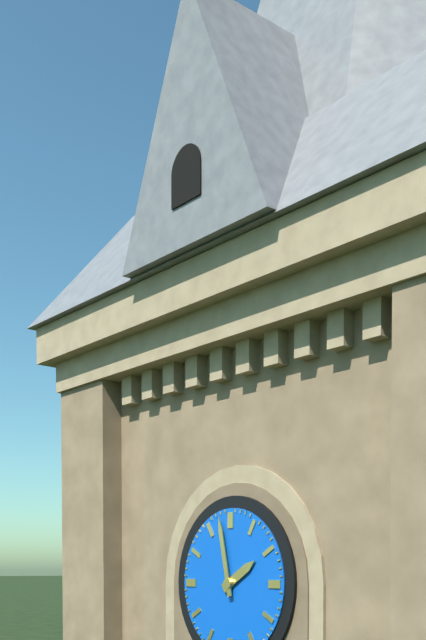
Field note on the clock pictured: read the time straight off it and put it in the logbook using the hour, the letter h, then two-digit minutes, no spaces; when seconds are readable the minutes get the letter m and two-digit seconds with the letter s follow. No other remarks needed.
1h58
